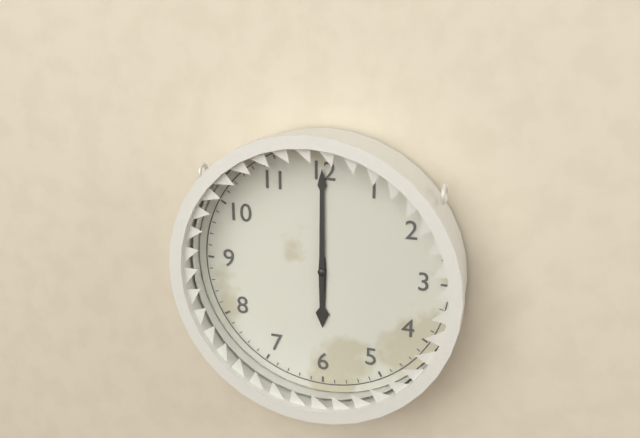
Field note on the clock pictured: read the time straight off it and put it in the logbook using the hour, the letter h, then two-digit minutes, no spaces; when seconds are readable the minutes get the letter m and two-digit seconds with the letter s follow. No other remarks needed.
6h00
